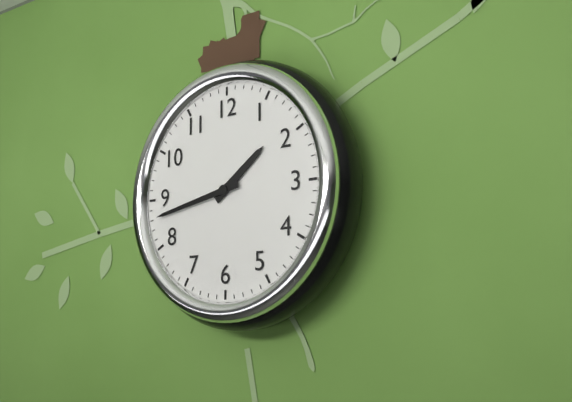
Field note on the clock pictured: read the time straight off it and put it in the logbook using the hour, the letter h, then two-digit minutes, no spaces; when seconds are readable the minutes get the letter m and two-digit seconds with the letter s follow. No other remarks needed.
1h43
